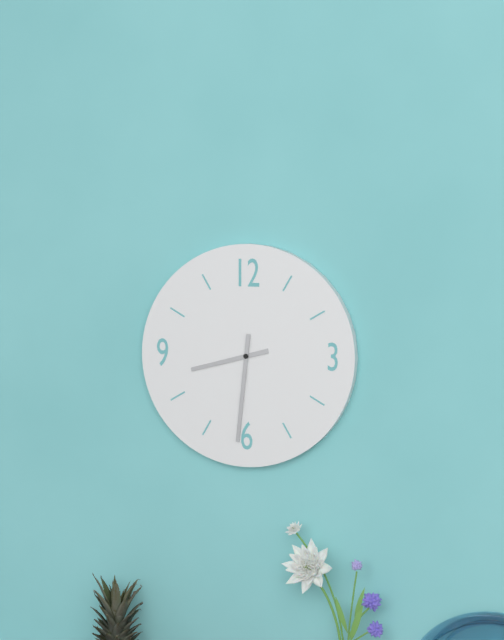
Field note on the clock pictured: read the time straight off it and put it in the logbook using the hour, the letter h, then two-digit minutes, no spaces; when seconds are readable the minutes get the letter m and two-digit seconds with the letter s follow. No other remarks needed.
8h31
